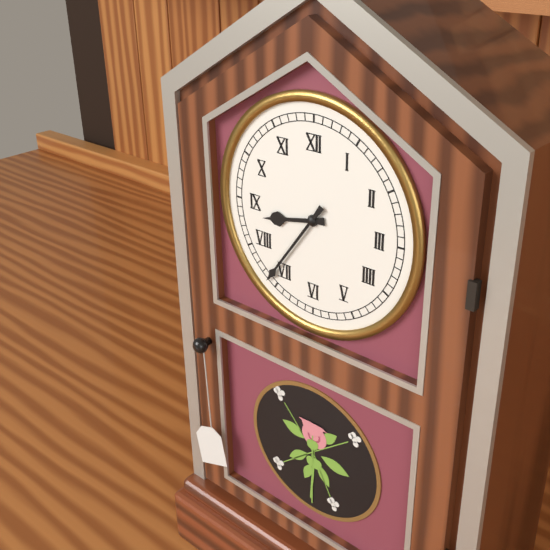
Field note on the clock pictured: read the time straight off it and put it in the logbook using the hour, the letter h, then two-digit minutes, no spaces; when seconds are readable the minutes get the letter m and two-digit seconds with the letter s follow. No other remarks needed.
8h36
